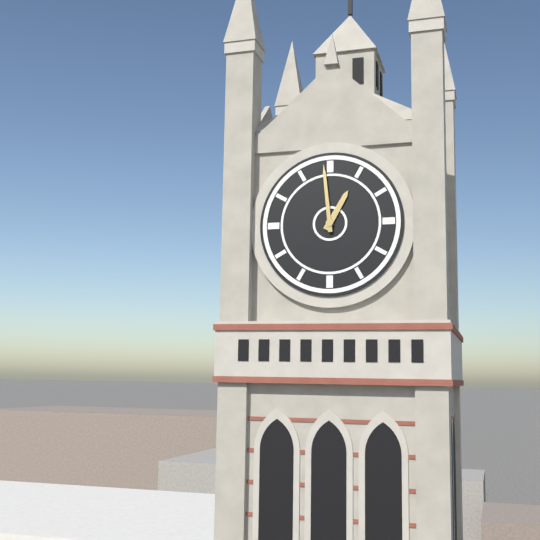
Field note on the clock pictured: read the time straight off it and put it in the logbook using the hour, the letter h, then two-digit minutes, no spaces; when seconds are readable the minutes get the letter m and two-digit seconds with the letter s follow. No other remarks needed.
12h59
